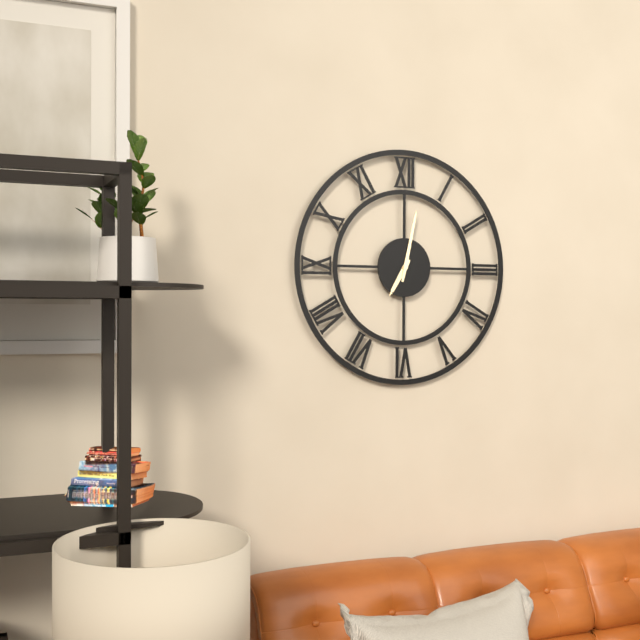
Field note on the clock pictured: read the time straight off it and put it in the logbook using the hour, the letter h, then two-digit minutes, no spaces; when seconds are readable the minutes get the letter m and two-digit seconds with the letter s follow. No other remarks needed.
7h02
